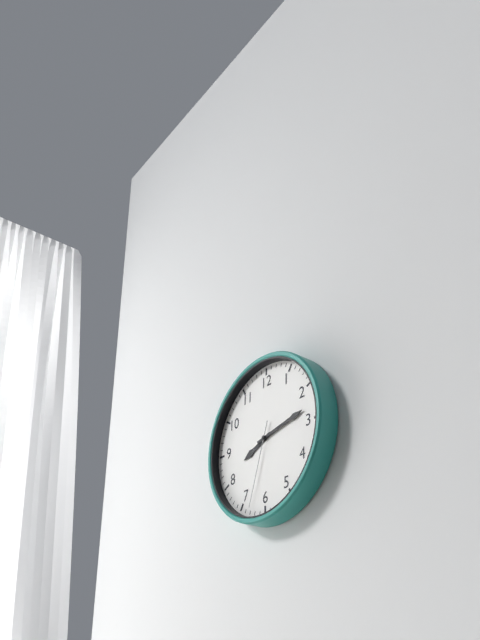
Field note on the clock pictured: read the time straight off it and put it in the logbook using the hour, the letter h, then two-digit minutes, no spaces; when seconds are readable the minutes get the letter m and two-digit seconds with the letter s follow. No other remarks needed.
8h13m33s
